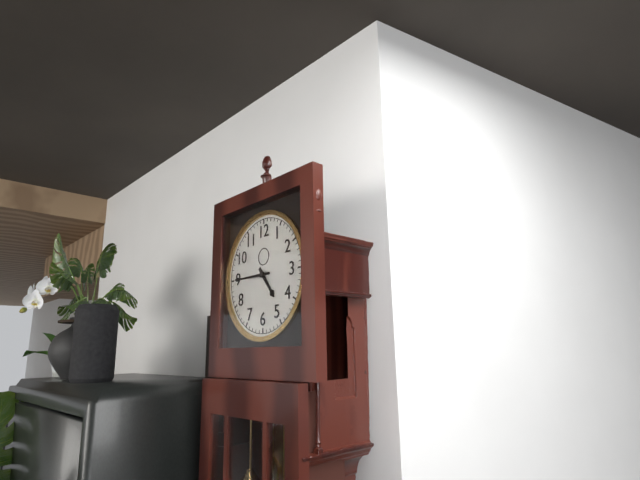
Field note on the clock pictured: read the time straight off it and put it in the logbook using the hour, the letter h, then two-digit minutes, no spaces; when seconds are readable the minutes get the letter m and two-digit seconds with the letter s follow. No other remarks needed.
4h45
